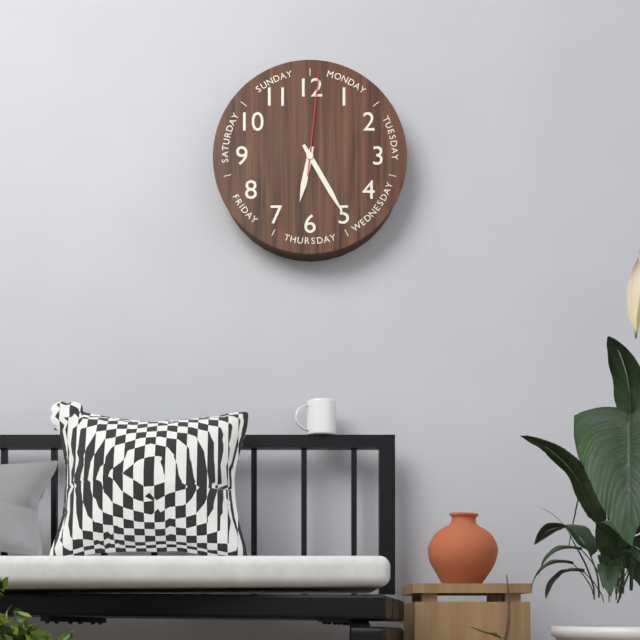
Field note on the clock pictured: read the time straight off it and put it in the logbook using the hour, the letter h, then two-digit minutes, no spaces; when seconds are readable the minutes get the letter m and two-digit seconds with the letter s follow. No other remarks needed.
6h25m01s
